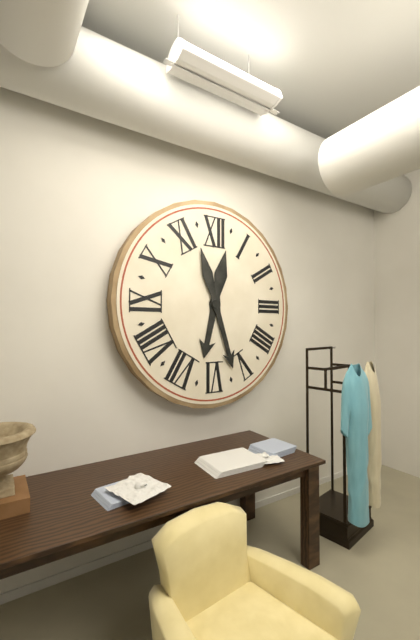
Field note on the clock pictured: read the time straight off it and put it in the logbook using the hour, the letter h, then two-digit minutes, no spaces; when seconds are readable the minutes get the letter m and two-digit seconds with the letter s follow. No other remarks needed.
6h27
